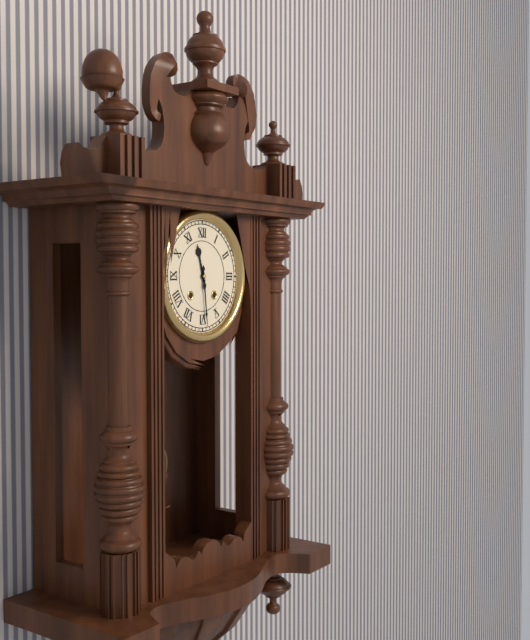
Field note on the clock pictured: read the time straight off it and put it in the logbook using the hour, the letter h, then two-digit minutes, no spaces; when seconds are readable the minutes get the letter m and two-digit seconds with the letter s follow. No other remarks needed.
11h29
